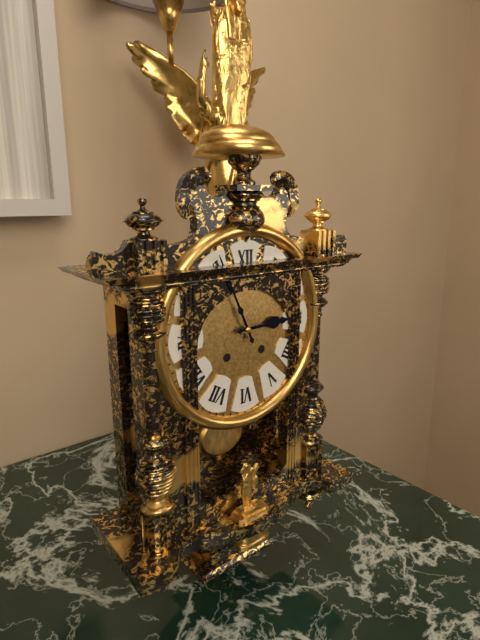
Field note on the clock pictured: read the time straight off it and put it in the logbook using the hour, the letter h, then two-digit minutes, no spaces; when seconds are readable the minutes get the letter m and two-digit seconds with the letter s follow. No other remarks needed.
2h56
